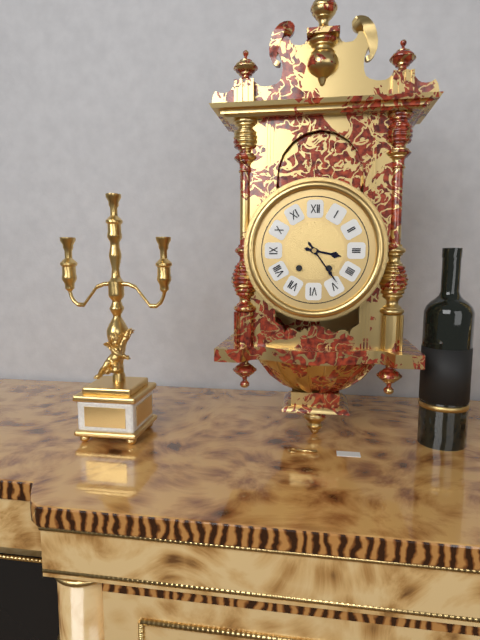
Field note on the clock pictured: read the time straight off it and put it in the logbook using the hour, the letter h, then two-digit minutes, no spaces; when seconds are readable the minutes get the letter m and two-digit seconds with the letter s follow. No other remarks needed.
3h24
